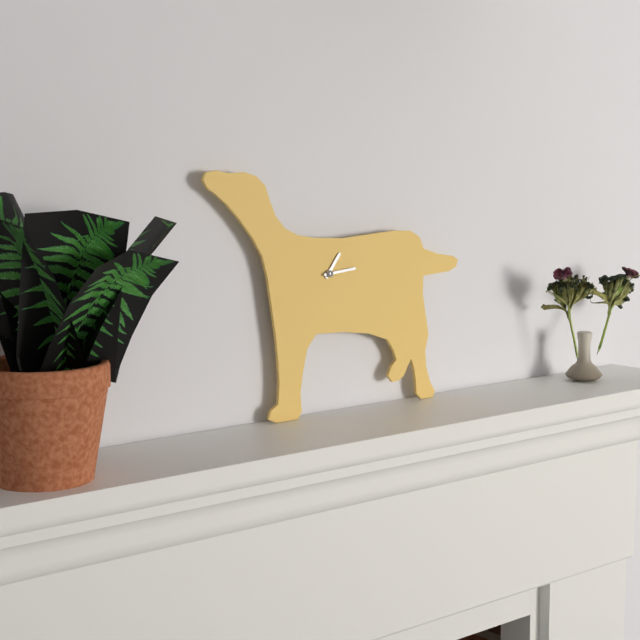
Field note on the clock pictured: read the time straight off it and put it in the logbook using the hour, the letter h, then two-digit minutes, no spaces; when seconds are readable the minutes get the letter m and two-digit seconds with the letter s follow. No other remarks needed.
1h14
